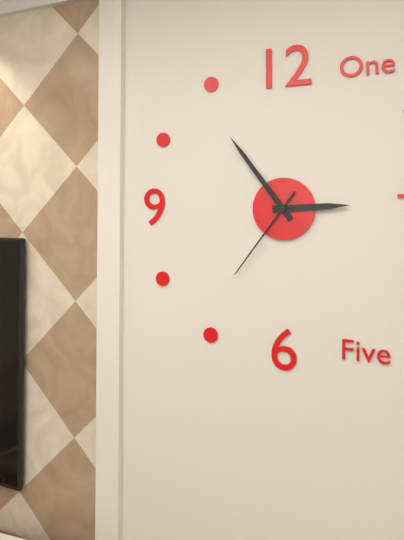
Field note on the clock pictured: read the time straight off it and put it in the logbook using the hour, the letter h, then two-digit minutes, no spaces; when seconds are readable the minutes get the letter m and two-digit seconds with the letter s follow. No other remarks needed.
2h54m36s
